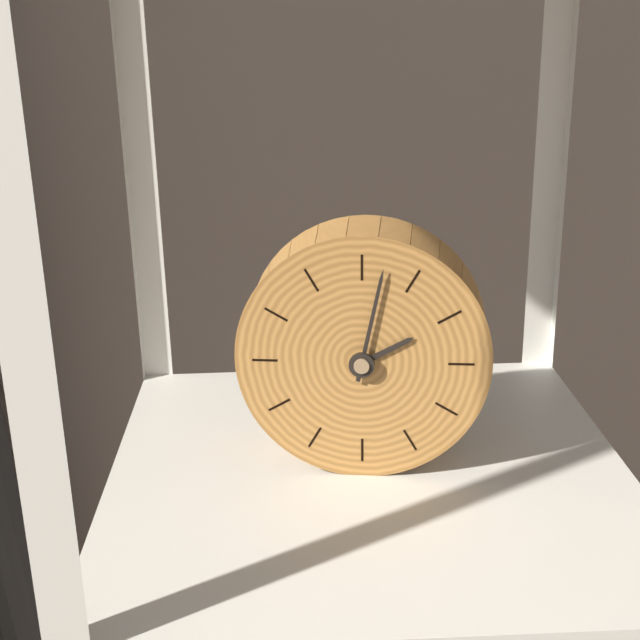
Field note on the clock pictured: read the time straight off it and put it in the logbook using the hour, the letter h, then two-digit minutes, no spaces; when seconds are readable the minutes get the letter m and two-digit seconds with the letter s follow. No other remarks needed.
2h02
